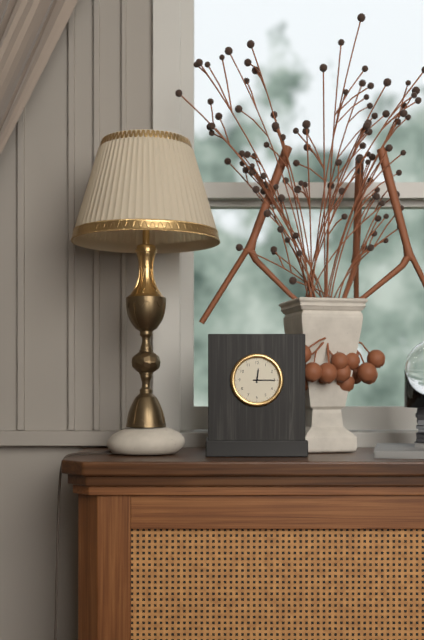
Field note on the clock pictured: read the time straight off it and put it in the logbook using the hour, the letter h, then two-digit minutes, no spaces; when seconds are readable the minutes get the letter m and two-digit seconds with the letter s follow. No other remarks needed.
12h15
